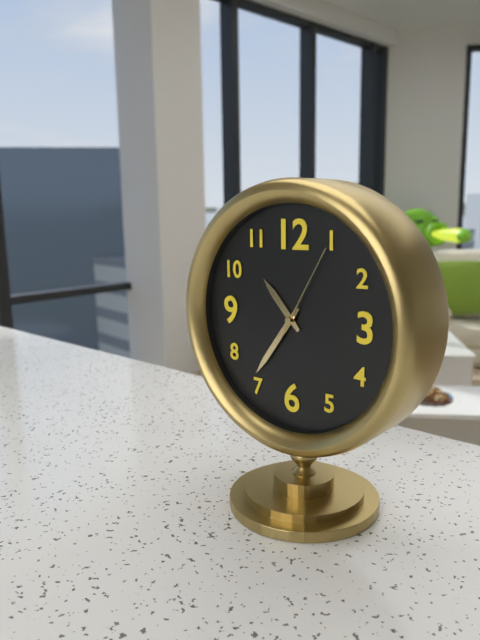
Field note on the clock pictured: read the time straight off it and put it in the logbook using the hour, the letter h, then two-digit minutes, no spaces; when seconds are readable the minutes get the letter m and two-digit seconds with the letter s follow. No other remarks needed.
10h36m05s
